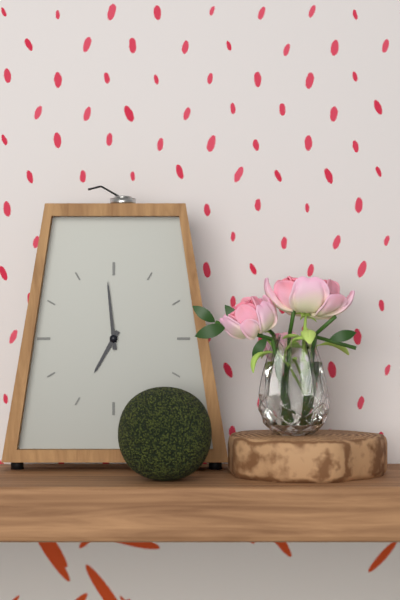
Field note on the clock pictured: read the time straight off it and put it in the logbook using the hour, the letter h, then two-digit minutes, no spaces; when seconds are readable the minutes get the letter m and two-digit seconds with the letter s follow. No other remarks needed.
6h59
